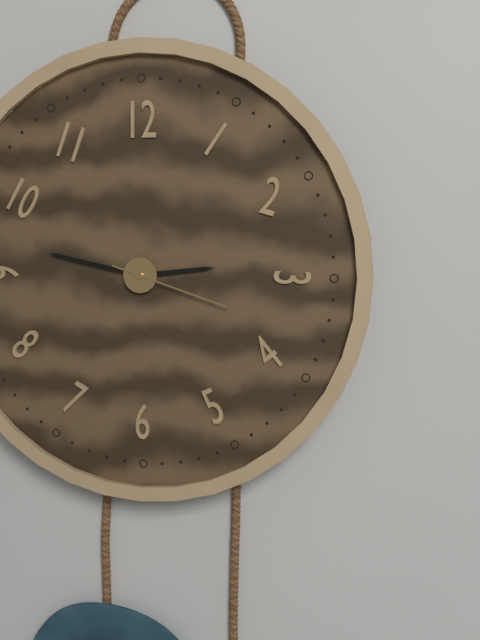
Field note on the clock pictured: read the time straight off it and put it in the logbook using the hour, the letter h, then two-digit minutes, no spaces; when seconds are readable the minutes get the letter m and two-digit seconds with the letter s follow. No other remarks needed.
2h47m18s
